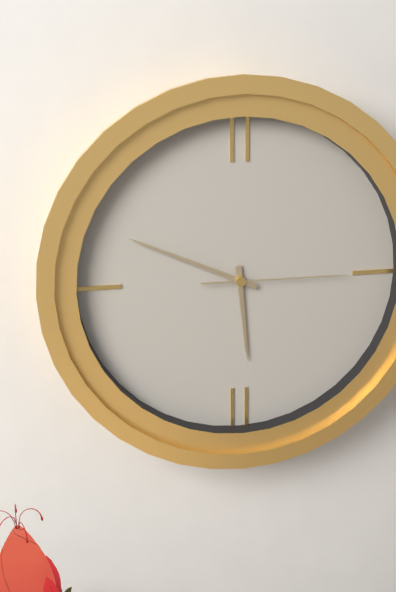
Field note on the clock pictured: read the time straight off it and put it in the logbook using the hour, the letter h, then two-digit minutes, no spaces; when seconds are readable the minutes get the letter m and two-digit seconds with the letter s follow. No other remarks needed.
5h49m15s
